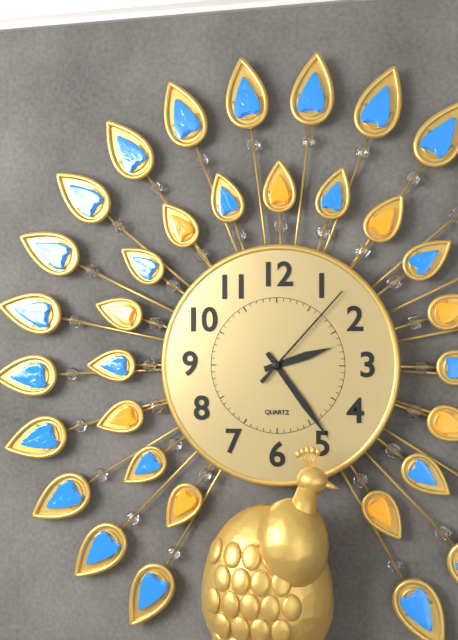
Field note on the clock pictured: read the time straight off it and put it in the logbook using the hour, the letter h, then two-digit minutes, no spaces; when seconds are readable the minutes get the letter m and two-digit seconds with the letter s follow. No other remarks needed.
2h24m07s
